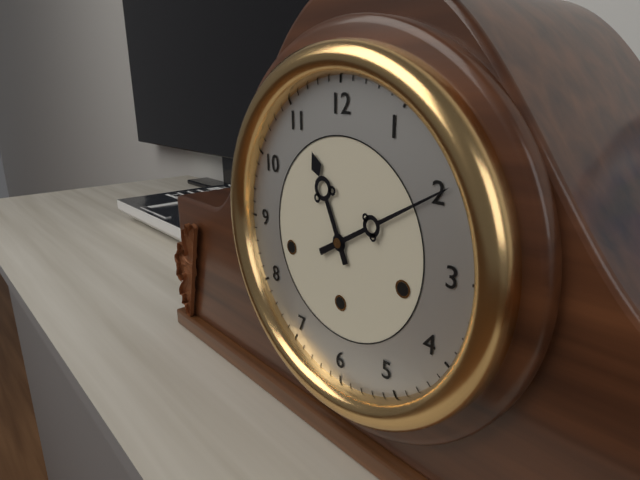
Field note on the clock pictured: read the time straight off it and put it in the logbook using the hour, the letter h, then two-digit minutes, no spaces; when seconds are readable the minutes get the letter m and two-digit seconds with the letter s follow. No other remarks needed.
11h10
